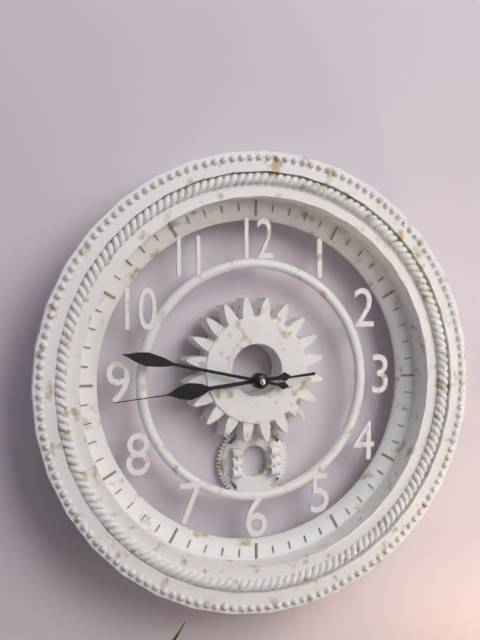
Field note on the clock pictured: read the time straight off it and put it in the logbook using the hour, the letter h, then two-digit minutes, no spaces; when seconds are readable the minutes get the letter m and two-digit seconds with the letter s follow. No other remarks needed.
8h47m44s
